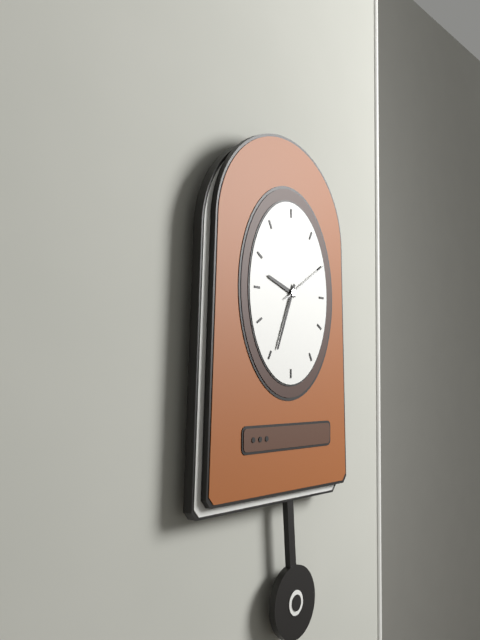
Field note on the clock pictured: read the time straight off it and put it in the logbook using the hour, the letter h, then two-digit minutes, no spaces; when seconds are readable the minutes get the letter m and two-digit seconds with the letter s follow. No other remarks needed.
9h34m10s
